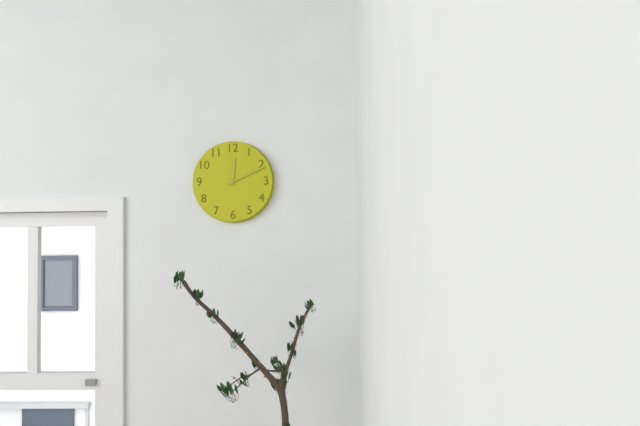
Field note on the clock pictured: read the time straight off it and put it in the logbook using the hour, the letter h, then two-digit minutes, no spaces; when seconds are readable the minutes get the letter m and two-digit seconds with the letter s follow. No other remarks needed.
12h11
